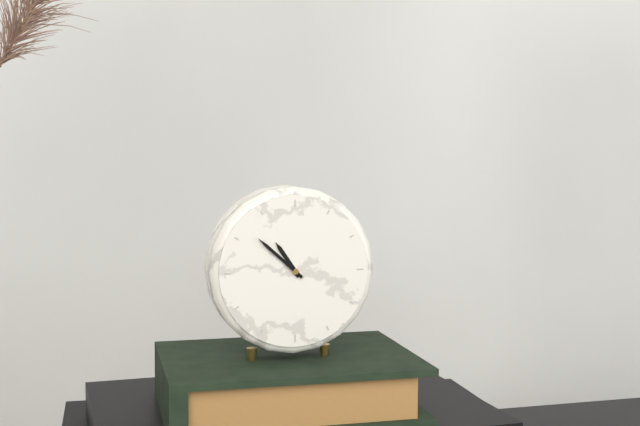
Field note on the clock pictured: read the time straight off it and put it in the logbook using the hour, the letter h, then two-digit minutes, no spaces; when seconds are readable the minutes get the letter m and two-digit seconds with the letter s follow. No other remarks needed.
10h52
